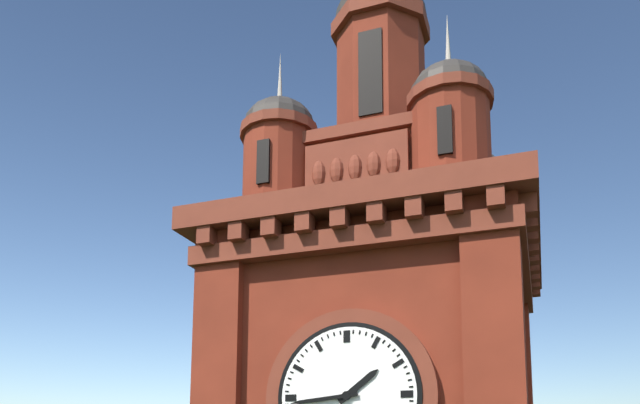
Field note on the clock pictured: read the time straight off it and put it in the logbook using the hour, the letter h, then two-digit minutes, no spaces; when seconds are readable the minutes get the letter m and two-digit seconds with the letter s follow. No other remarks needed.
1h44
